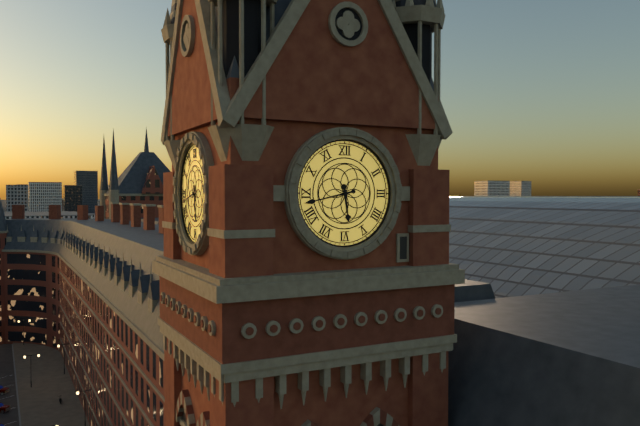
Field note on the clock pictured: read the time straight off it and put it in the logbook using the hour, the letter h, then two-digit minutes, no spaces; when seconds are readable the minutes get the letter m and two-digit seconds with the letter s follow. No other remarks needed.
5h43
